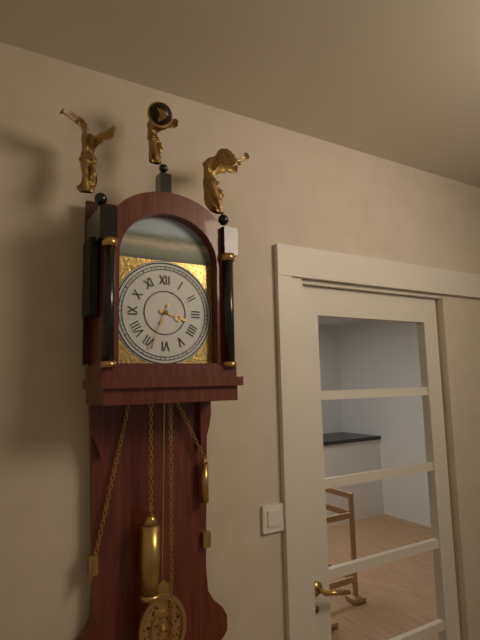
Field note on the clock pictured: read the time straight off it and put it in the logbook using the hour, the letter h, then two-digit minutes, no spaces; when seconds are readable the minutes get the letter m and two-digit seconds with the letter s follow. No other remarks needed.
3h34
